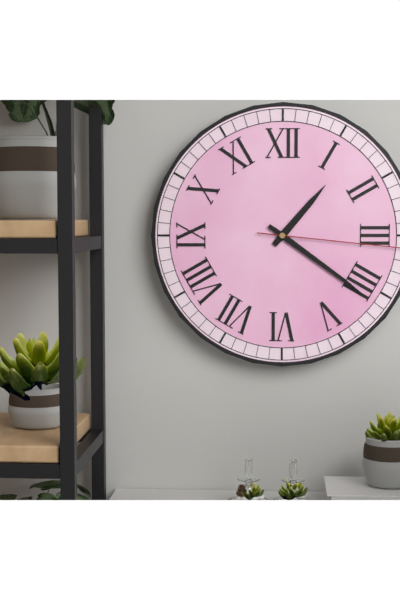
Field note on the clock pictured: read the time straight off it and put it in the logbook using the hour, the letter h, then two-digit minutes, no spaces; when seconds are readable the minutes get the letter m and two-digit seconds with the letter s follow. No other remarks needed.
1h21
